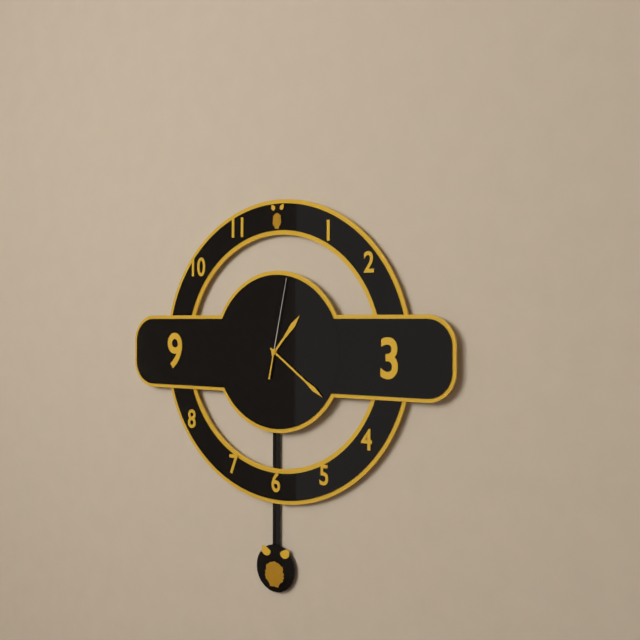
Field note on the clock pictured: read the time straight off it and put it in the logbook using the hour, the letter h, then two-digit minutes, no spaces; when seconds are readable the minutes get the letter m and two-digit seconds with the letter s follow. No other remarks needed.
1h21m02s
